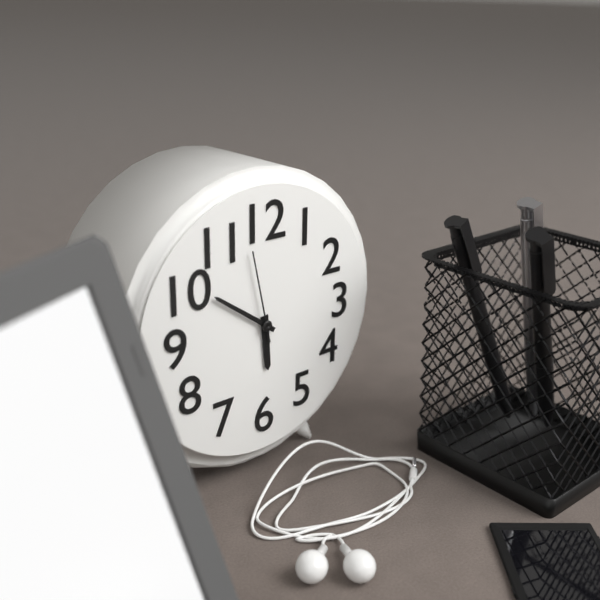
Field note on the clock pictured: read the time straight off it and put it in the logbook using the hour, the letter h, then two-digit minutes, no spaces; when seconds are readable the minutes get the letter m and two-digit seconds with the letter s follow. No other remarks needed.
5h51m58s
